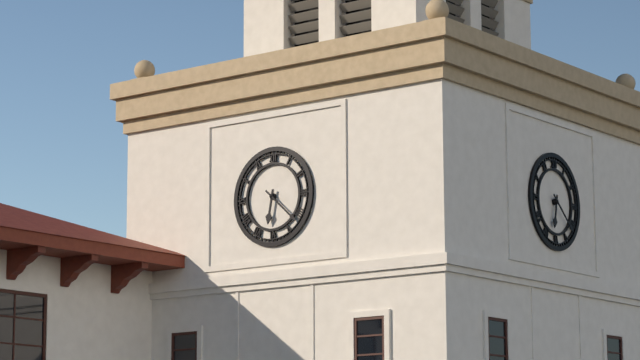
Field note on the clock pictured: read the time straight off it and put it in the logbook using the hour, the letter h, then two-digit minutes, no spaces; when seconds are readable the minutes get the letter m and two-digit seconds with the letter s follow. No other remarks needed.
6h22
